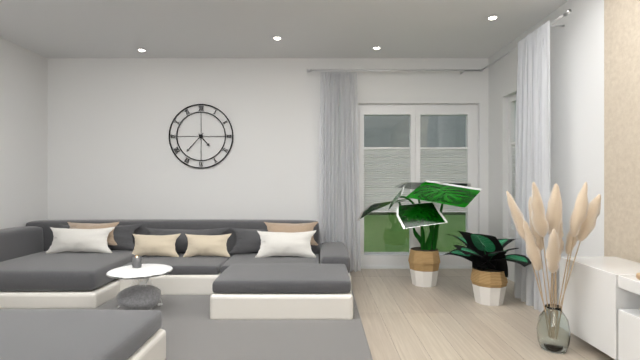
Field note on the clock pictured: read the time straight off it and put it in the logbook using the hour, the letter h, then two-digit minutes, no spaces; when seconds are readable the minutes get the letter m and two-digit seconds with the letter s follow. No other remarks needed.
4h37
